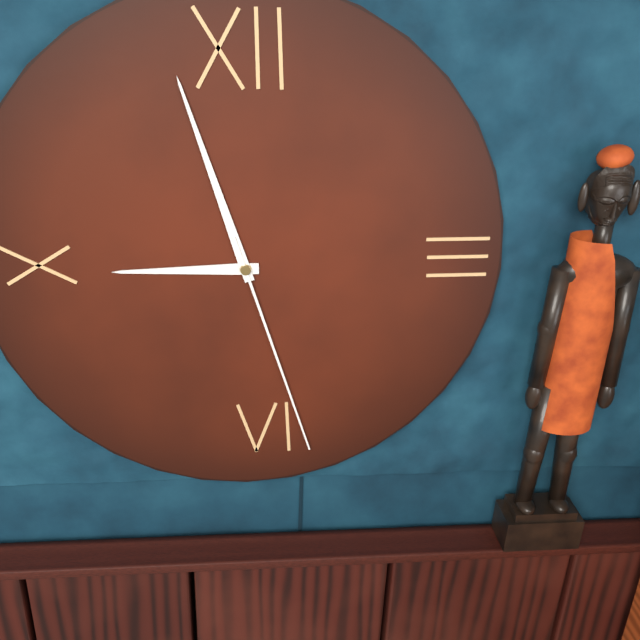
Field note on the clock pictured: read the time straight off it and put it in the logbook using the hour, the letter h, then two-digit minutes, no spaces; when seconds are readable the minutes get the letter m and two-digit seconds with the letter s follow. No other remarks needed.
8h57m27s
